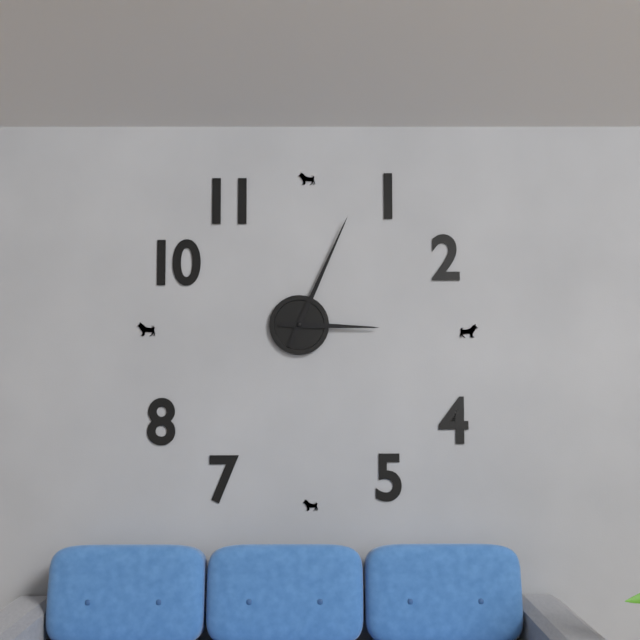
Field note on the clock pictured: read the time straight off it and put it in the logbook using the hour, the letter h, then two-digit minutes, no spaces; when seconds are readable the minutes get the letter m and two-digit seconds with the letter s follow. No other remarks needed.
3h04
